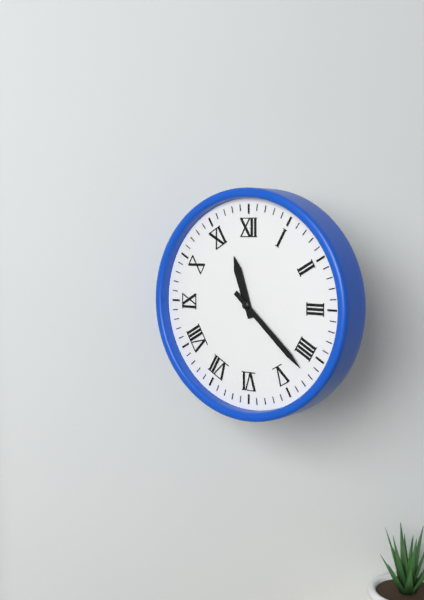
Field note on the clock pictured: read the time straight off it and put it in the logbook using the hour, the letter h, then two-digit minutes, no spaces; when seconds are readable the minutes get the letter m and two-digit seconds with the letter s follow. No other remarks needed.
11h22
